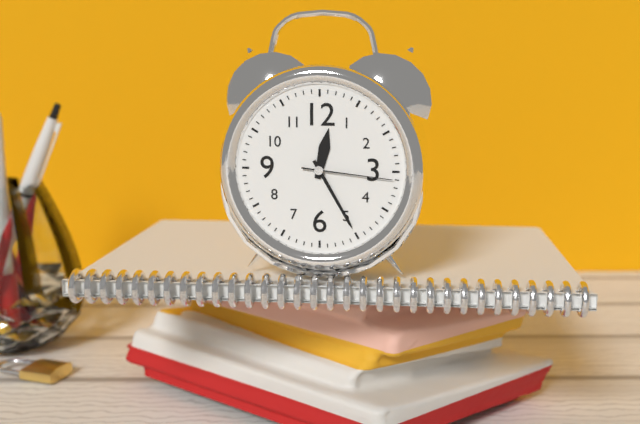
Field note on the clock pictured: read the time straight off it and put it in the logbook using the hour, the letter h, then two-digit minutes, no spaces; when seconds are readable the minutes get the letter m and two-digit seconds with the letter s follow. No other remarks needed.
12h25m16s
